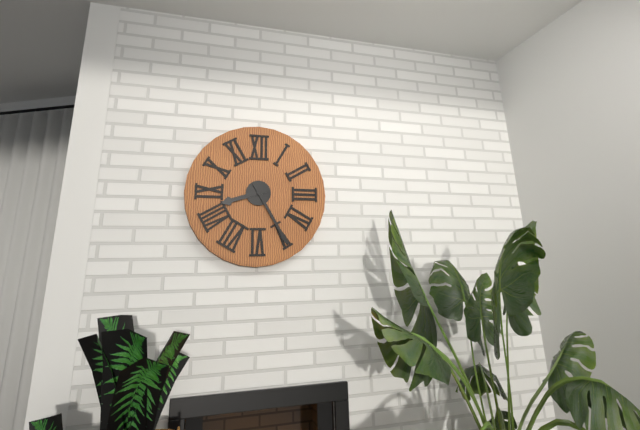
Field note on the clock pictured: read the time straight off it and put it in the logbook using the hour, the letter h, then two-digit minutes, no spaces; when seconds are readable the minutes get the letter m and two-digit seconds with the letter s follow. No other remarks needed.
8h25
